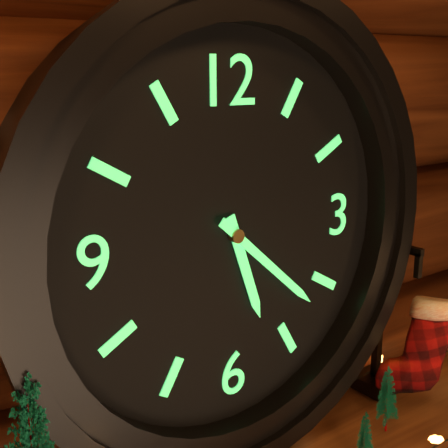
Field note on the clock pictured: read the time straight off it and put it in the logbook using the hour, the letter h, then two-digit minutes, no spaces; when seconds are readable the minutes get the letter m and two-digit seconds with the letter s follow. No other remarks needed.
5h22
